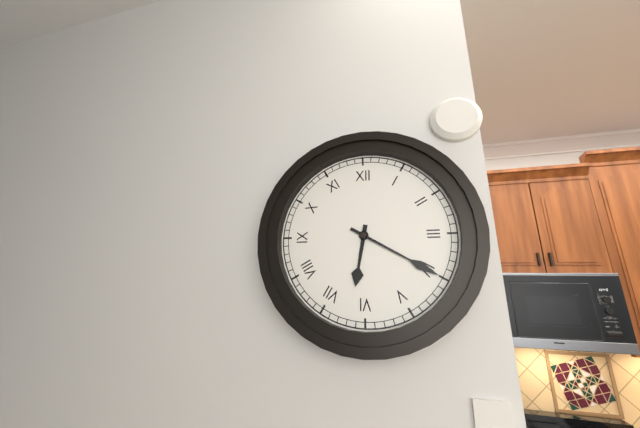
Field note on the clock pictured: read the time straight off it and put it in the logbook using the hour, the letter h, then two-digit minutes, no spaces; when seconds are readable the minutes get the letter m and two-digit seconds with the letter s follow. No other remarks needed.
6h20
